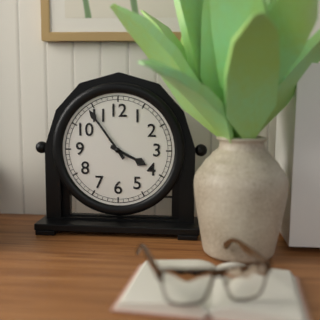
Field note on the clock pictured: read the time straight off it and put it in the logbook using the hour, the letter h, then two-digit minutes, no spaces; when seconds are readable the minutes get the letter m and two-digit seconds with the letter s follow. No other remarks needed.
3h54
